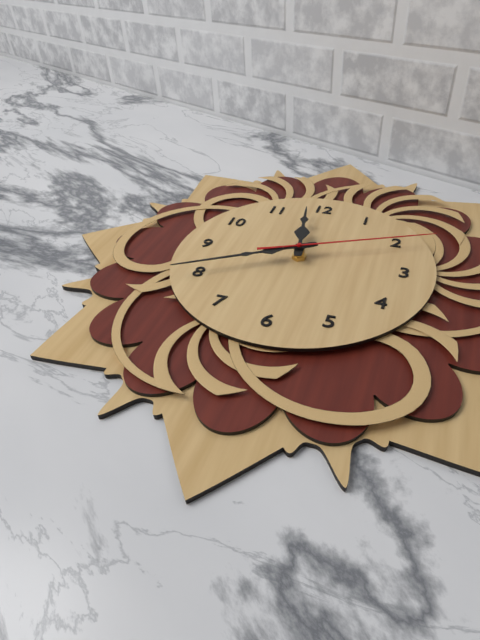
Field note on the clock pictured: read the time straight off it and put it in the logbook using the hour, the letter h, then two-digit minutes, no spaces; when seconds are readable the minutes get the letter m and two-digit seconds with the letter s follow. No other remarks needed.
11h40m11s
